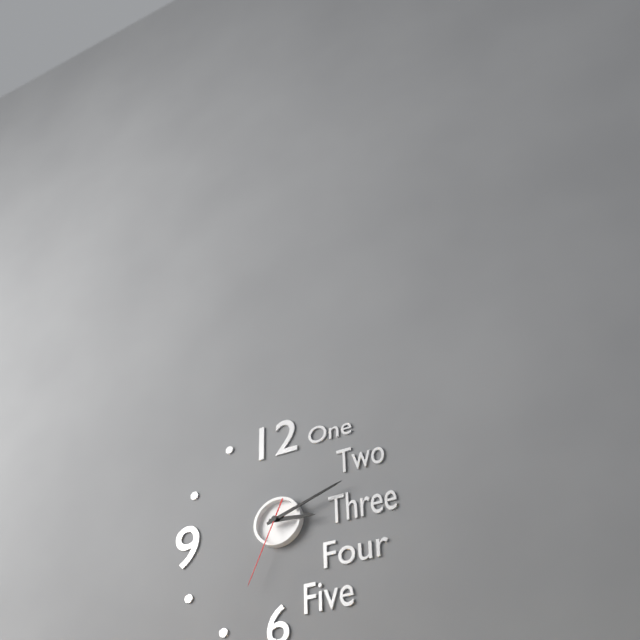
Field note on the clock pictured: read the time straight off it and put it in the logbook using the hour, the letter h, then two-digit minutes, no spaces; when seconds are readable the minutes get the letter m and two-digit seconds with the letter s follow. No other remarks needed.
3h12m34s
